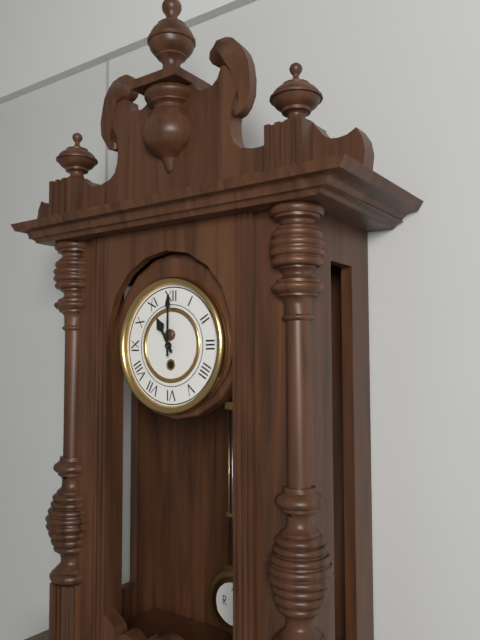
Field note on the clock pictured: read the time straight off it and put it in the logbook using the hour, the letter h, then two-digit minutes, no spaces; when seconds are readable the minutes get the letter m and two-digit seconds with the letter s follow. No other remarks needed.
11h00
